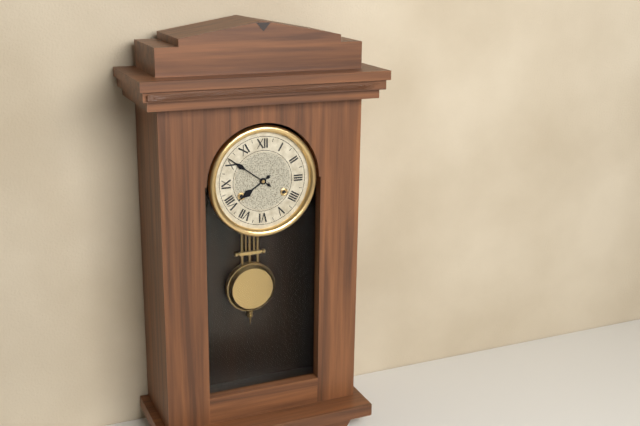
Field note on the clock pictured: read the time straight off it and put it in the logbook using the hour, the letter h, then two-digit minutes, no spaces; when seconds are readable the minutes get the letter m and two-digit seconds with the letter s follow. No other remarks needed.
7h51
